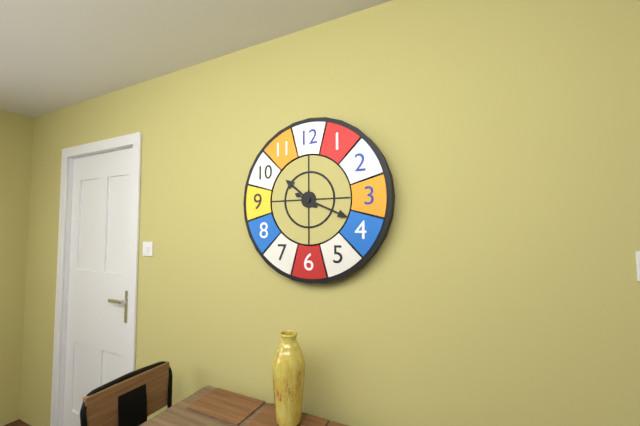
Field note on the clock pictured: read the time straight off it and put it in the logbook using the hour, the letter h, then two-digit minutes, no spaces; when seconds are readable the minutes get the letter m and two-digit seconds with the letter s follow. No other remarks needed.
10h19
